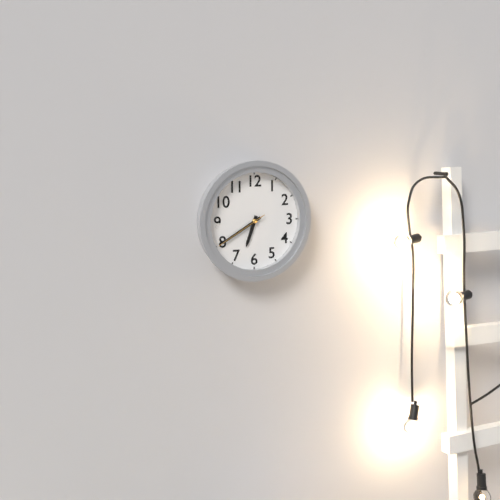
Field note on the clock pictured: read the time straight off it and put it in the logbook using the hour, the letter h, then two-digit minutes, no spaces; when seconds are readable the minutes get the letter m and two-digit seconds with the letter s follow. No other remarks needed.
6h40m40s
